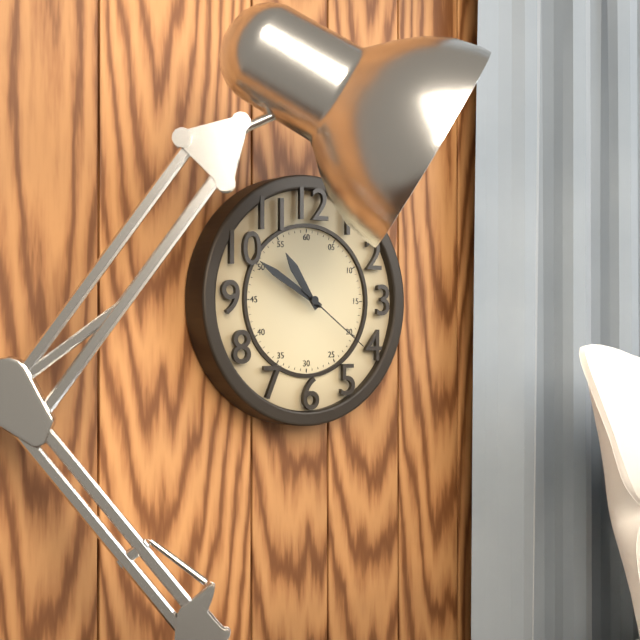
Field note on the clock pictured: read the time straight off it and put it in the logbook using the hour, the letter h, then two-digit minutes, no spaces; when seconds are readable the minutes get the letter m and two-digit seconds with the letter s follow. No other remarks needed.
10h50m21s
